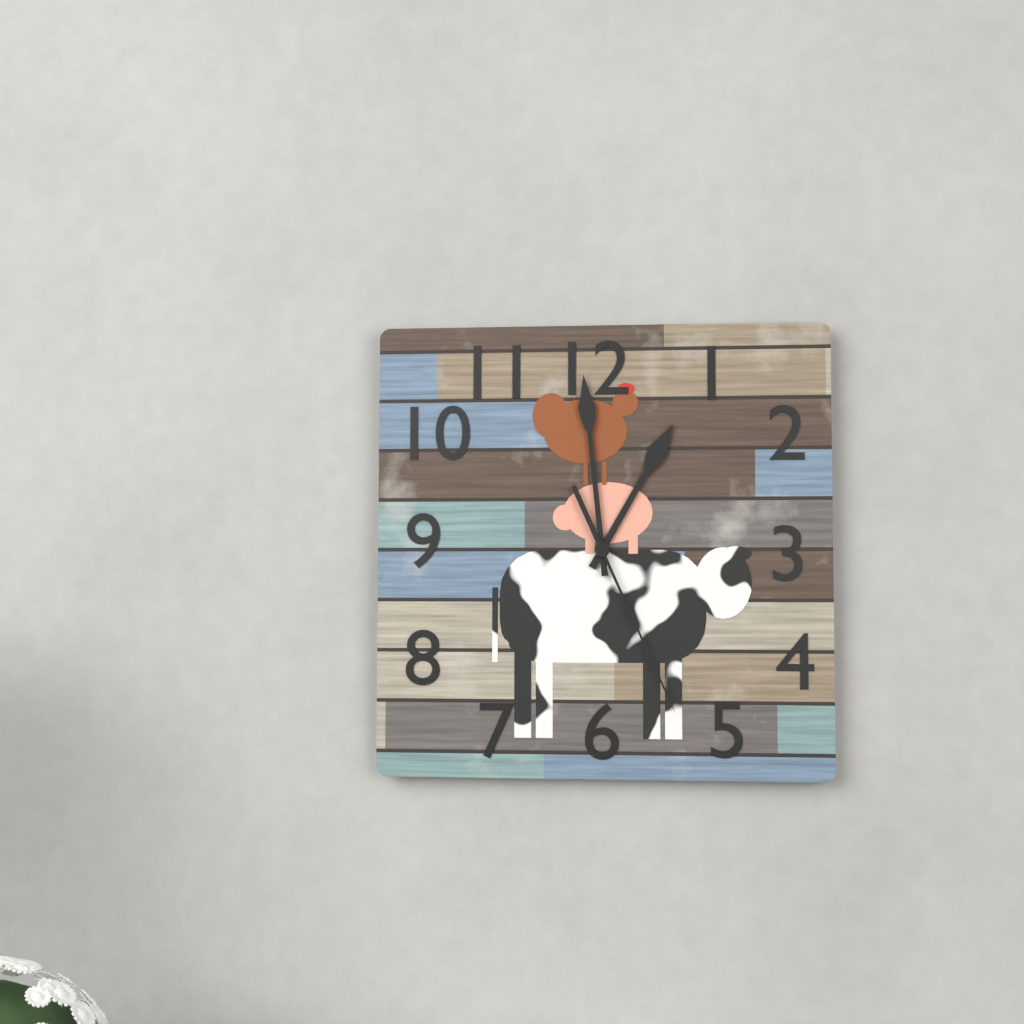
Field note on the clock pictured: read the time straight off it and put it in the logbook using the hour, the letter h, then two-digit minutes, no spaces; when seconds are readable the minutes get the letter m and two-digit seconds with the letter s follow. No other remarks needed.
12h59m26s
